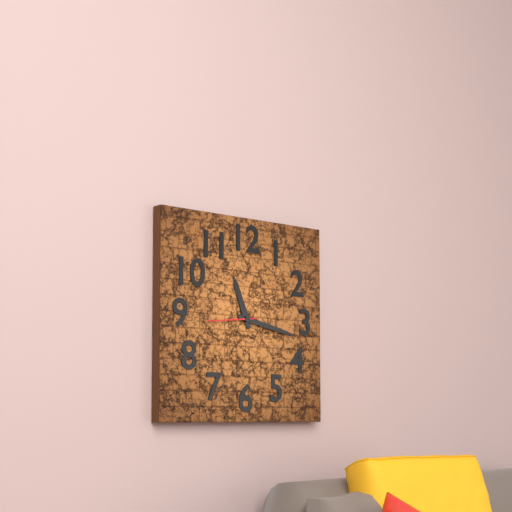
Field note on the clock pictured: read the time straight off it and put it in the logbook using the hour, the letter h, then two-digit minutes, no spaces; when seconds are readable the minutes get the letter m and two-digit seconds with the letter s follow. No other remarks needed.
11h17m44s
